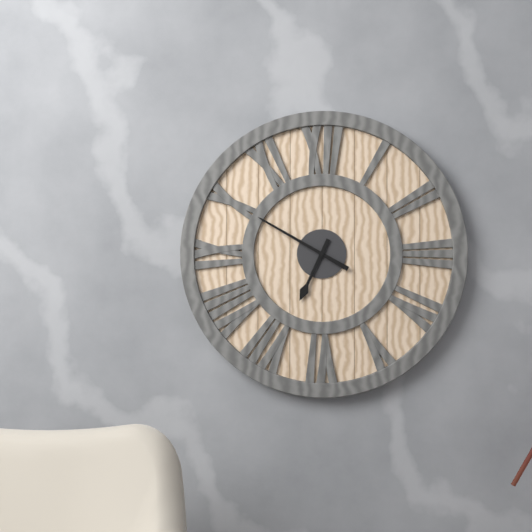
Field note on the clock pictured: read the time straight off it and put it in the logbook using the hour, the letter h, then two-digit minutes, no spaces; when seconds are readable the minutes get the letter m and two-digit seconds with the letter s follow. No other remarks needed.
6h50
